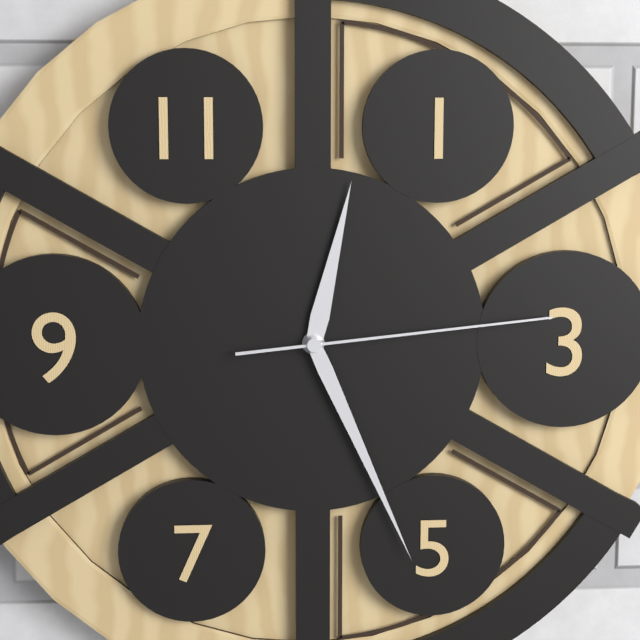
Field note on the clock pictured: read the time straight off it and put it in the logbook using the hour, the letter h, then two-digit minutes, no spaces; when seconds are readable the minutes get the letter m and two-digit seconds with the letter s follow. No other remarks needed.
12h26m14s
